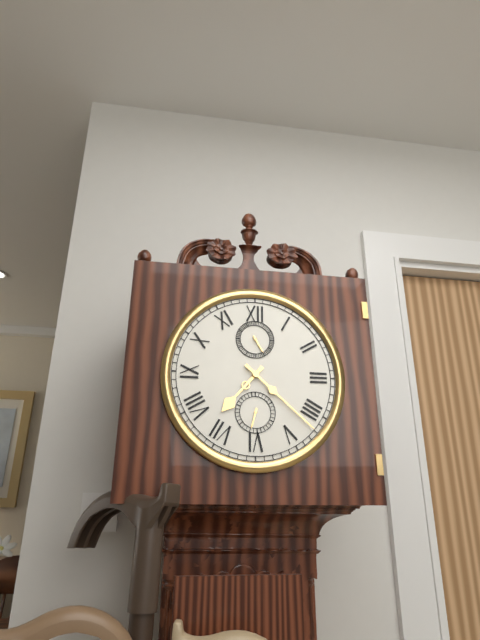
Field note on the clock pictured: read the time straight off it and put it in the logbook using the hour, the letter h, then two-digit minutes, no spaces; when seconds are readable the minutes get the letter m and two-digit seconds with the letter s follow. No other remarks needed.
7h22
